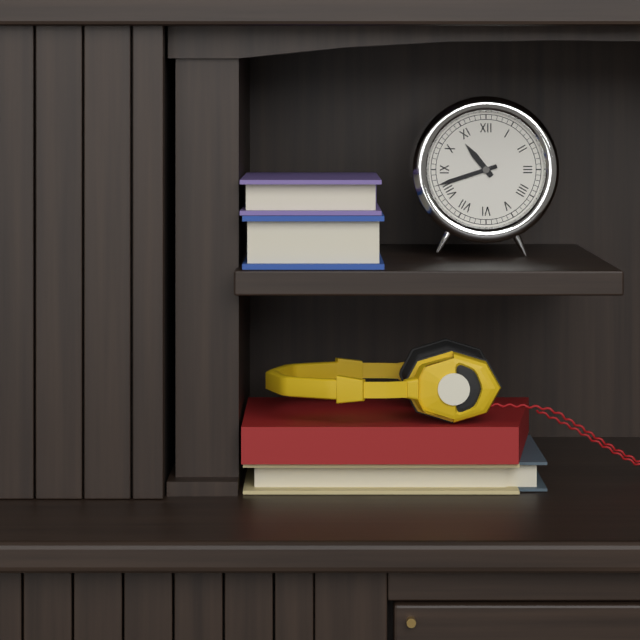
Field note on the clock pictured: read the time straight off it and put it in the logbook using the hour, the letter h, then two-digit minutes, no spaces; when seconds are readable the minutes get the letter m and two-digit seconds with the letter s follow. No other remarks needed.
10h42
